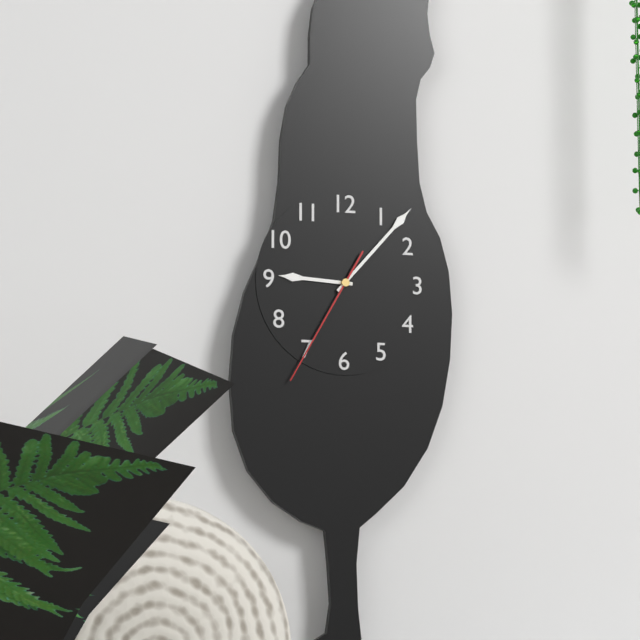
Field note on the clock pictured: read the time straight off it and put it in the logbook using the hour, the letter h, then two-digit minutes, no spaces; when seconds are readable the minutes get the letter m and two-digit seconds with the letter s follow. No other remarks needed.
9h07m35s
